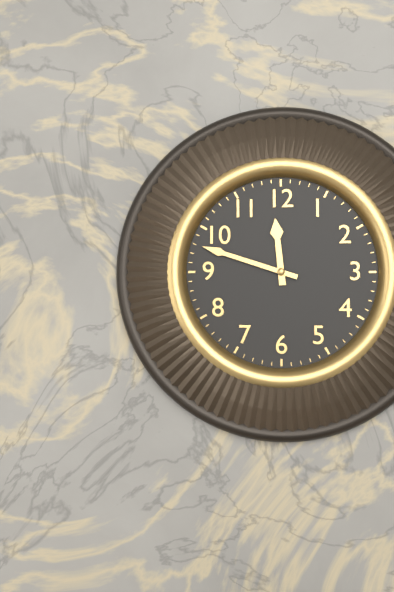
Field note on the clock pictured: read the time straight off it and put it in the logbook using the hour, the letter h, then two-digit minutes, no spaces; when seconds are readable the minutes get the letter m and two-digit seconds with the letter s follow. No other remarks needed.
11h48
